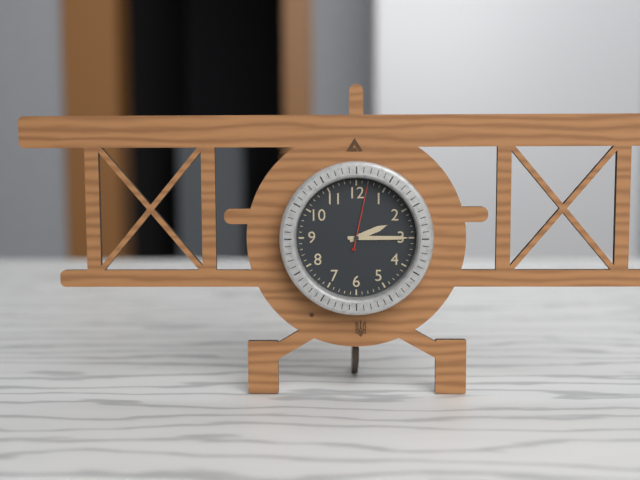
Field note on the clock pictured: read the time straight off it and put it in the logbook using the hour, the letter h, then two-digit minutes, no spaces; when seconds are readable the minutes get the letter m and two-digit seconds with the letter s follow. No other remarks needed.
2h15m02s
